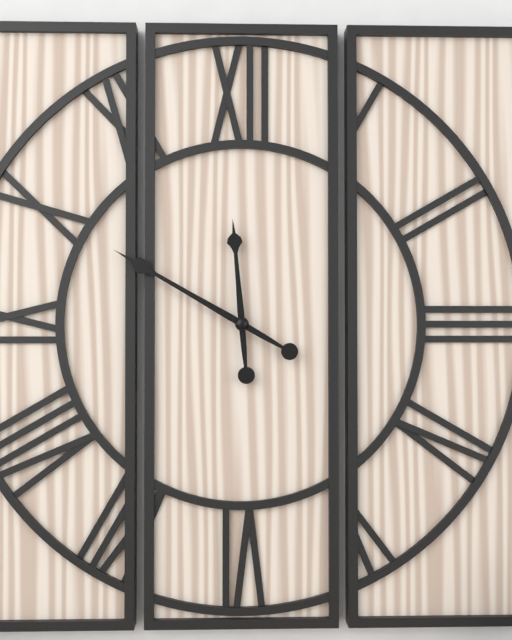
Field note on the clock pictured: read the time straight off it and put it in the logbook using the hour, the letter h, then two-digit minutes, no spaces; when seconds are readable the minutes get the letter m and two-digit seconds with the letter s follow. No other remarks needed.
11h50
